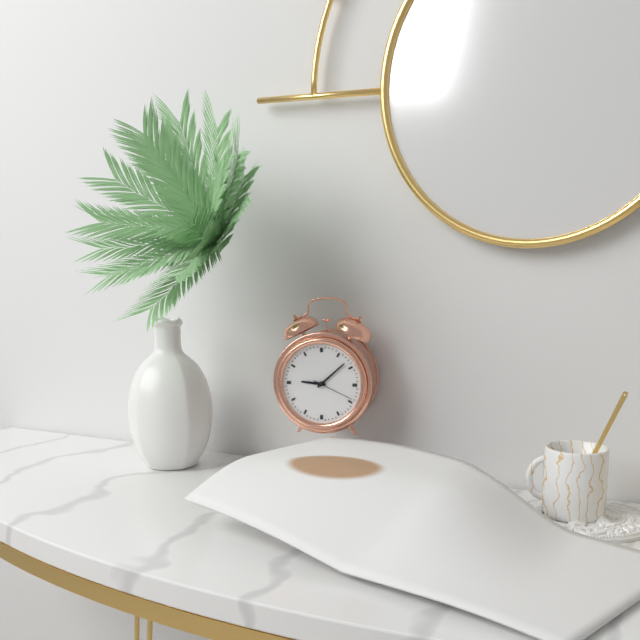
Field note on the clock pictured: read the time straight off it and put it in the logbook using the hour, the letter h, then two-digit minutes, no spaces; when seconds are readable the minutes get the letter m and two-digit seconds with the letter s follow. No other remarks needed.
9h08
